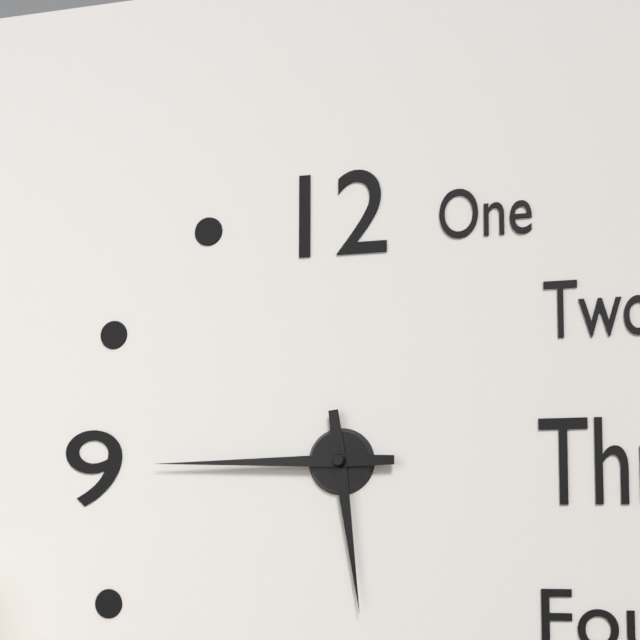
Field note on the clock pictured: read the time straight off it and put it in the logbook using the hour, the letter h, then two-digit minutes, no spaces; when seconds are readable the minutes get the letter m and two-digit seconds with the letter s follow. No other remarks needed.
5h45
